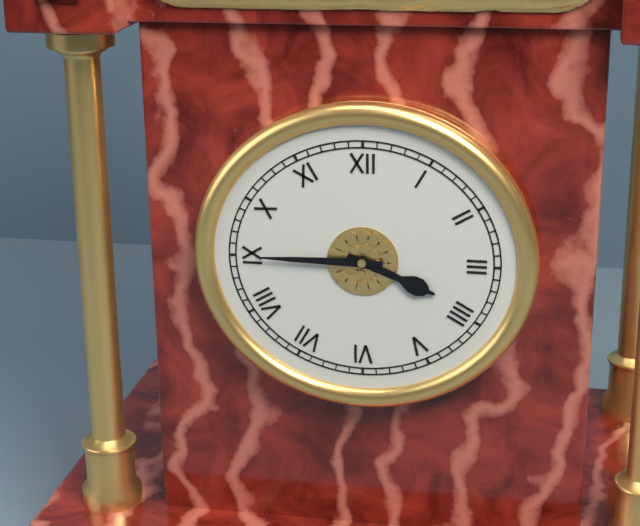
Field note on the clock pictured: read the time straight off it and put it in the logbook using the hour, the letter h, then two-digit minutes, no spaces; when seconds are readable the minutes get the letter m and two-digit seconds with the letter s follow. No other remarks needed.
3h45
